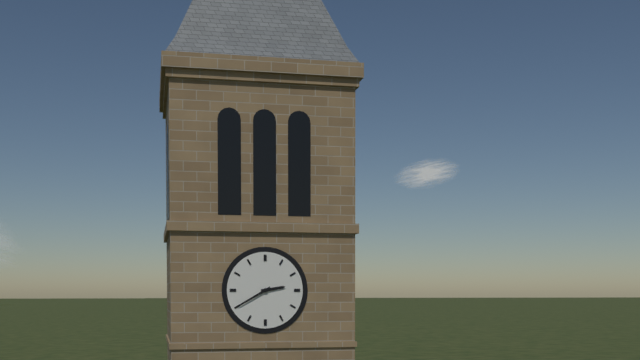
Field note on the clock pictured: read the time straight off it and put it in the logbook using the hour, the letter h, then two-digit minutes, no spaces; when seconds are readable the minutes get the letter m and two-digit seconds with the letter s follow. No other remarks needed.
2h40
